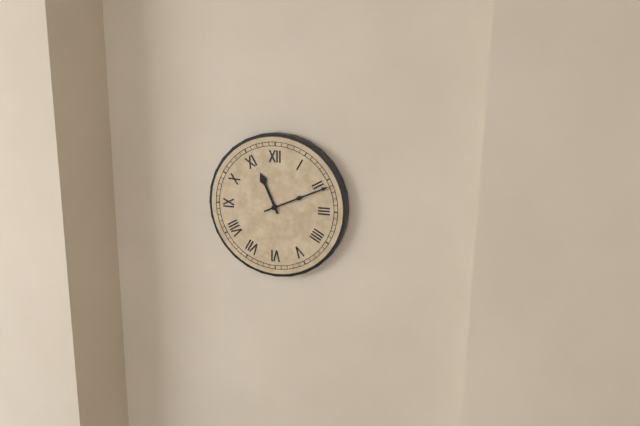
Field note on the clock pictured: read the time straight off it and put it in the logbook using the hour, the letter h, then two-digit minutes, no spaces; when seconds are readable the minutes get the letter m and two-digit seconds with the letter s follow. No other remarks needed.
11h11
